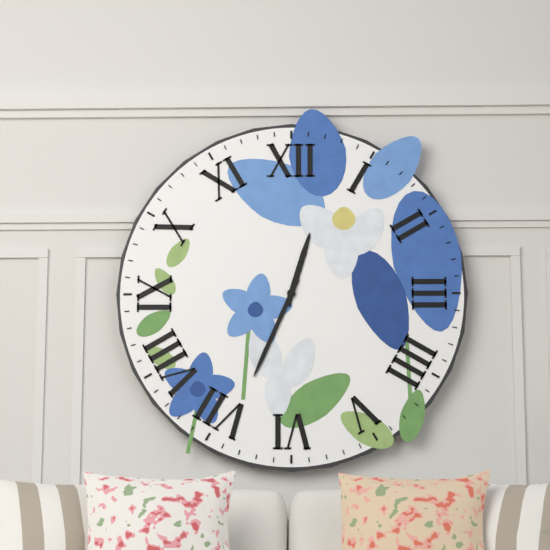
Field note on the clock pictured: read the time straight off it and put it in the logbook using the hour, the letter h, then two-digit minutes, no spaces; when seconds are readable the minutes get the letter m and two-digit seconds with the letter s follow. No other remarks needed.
12h34
